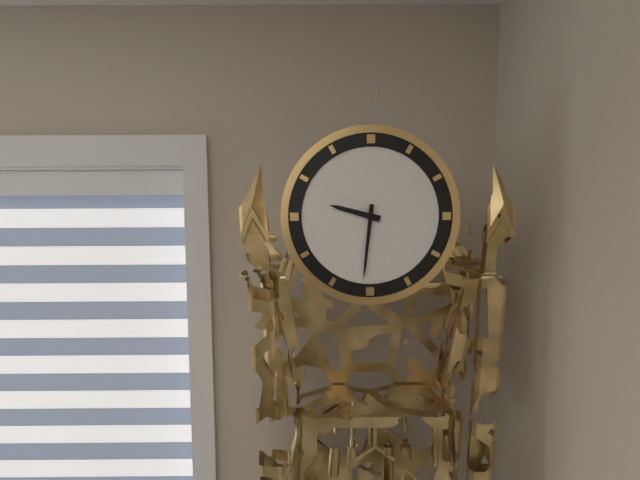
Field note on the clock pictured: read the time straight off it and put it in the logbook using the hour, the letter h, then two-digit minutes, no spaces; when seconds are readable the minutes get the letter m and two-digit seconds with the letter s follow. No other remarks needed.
9h31
